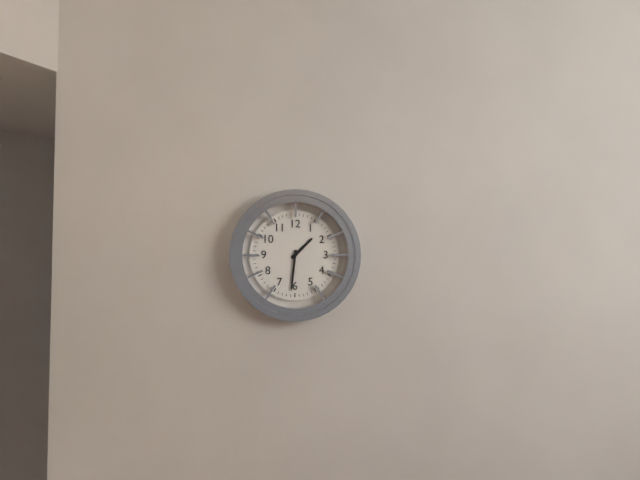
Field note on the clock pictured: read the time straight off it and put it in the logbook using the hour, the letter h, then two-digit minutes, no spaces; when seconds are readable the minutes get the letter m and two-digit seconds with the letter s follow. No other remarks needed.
1h31
